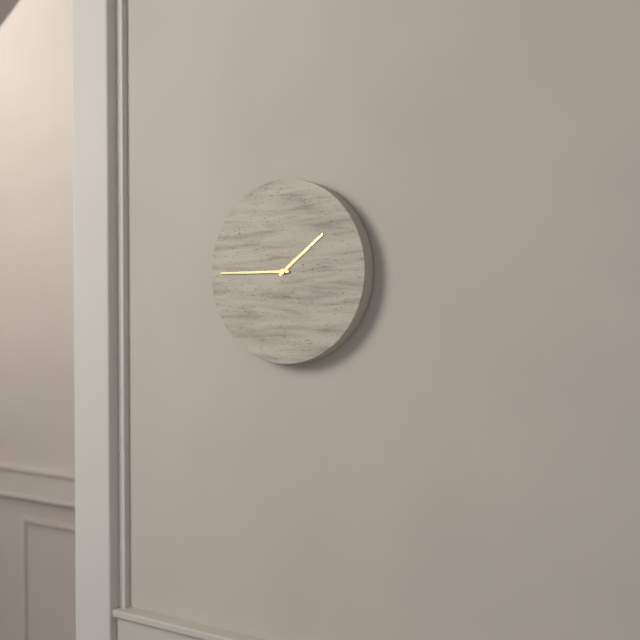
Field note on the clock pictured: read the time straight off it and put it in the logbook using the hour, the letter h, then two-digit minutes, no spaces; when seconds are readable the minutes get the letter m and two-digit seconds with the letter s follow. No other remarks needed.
1h45
